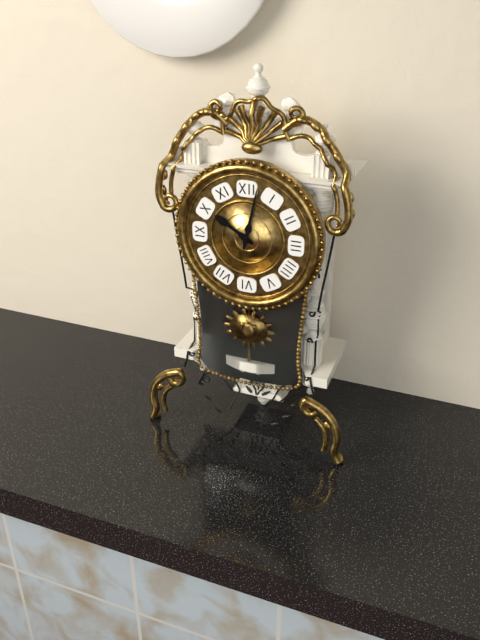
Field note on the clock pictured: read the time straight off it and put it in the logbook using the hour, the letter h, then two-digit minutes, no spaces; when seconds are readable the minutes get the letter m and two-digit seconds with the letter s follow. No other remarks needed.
10h02
